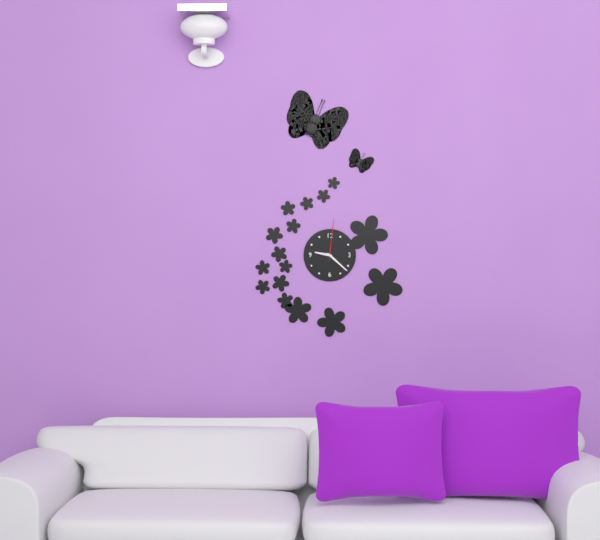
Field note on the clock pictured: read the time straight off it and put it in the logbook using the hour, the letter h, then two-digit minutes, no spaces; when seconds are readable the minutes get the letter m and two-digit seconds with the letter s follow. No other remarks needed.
9h22
